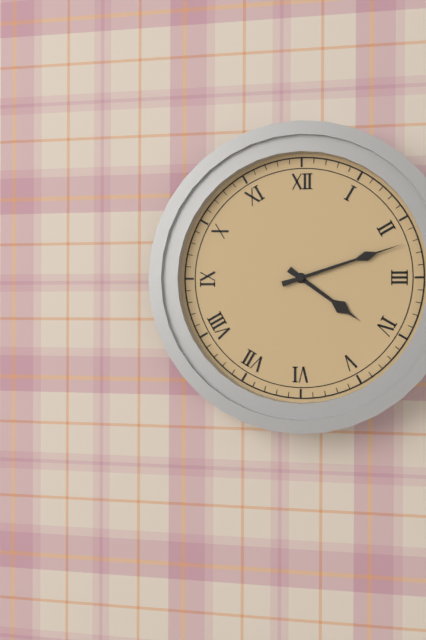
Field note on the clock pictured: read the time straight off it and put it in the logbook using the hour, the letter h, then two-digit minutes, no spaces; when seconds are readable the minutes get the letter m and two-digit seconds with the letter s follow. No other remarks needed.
4h12
